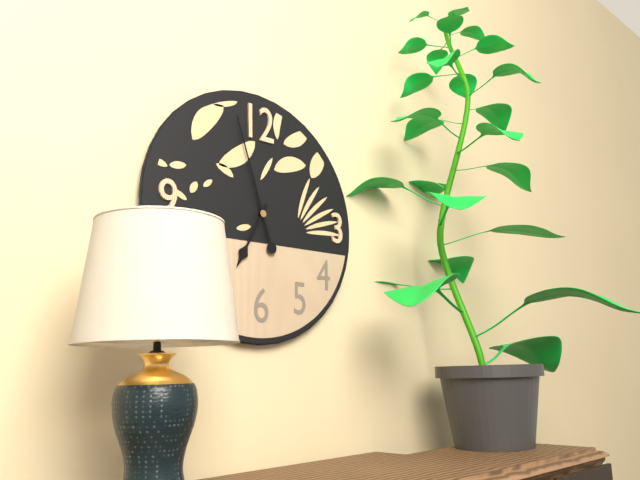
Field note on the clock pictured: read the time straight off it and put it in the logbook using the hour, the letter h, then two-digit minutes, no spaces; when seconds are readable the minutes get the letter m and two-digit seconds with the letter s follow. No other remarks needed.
6h57
